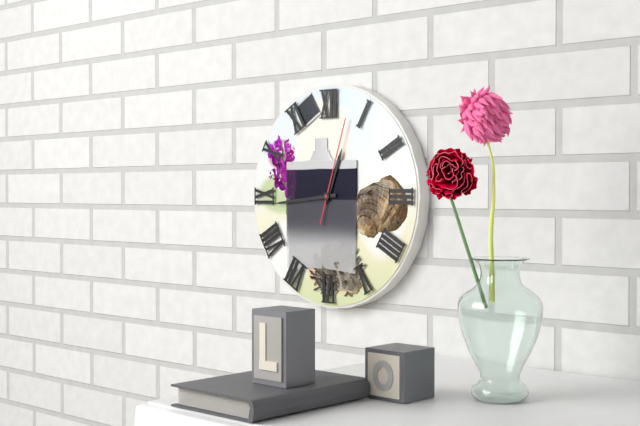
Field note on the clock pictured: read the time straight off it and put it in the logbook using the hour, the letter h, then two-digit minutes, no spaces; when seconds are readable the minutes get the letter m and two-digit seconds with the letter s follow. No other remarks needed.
12h44m03s
